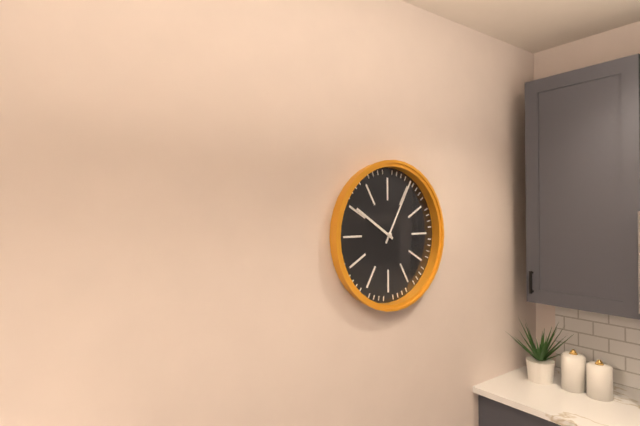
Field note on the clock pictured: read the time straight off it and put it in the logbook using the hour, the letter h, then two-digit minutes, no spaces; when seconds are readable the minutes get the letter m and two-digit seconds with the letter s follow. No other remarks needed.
10h05
